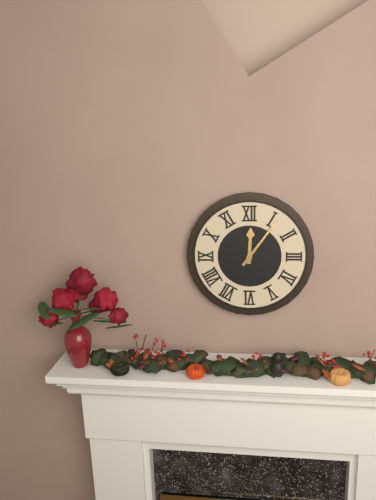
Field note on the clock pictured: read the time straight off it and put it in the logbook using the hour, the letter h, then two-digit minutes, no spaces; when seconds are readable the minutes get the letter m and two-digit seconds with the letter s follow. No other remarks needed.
12h06
